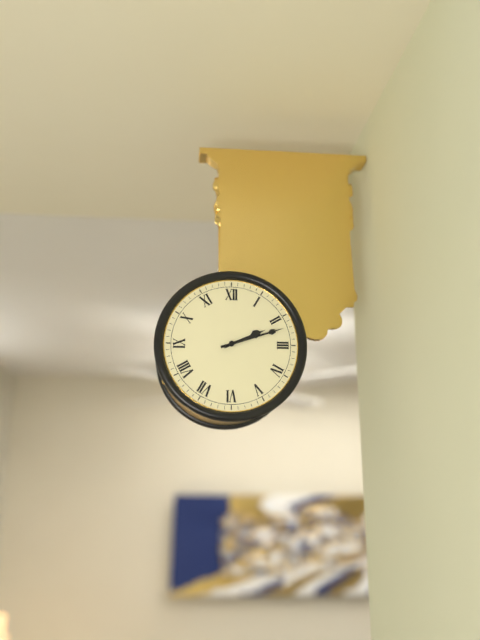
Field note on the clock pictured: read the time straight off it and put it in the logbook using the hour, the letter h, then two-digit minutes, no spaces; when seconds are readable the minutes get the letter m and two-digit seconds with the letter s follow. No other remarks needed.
2h12
